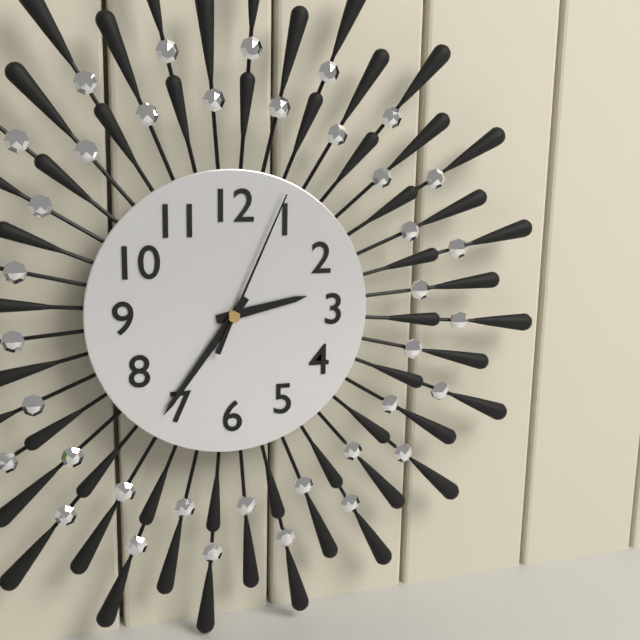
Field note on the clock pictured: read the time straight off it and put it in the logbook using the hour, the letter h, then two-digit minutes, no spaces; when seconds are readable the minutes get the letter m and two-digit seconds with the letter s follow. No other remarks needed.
2h36m04s
